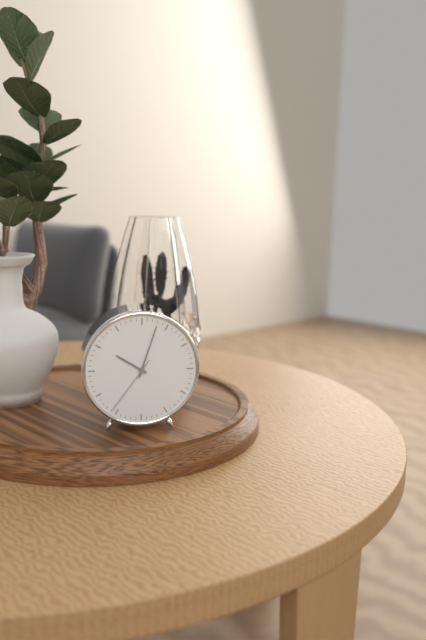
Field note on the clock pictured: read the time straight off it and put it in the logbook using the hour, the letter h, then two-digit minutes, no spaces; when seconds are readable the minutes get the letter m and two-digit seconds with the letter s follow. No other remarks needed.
10h03m36s
